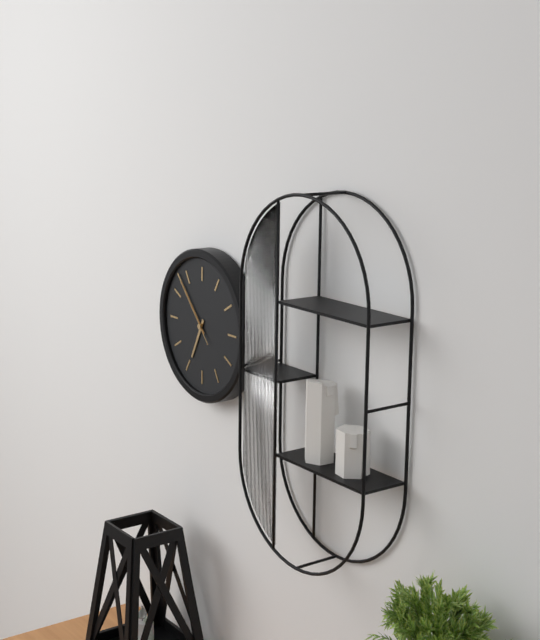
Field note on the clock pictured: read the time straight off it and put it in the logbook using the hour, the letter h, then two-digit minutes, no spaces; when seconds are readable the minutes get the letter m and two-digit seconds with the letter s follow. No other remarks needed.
6h53m53s
